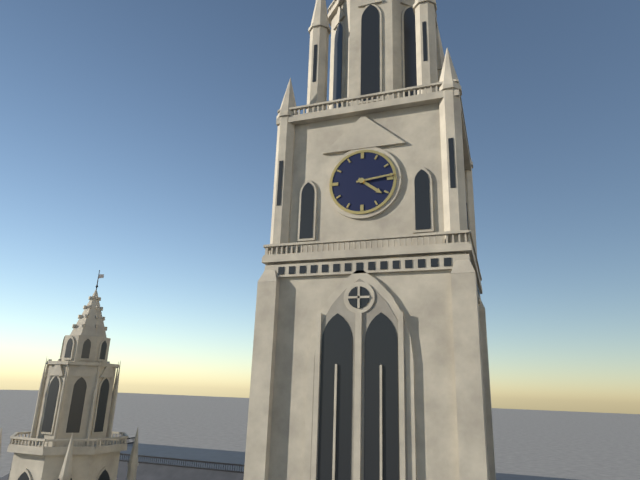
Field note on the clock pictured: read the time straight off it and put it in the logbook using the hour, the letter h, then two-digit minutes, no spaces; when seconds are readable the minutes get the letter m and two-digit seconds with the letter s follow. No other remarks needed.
4h14
